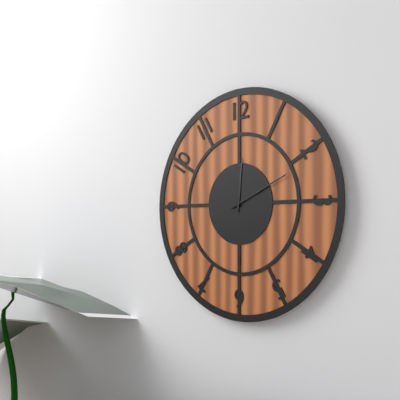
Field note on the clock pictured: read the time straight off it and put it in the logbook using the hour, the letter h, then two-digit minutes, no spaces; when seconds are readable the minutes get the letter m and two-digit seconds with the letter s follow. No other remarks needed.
12h11
